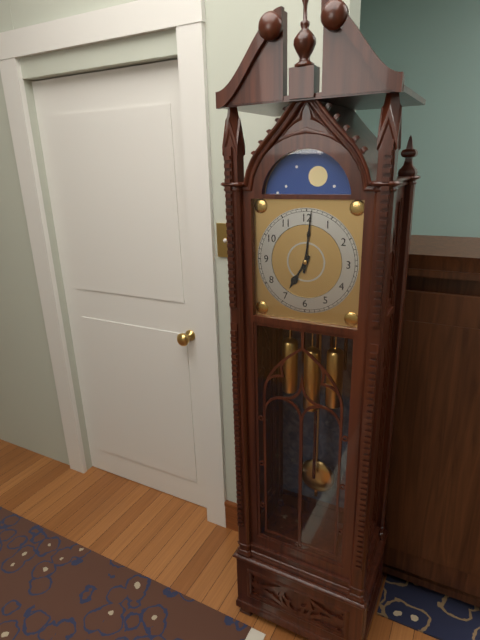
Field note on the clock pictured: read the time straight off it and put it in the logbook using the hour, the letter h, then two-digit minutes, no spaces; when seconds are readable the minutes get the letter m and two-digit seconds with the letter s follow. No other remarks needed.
7h01
